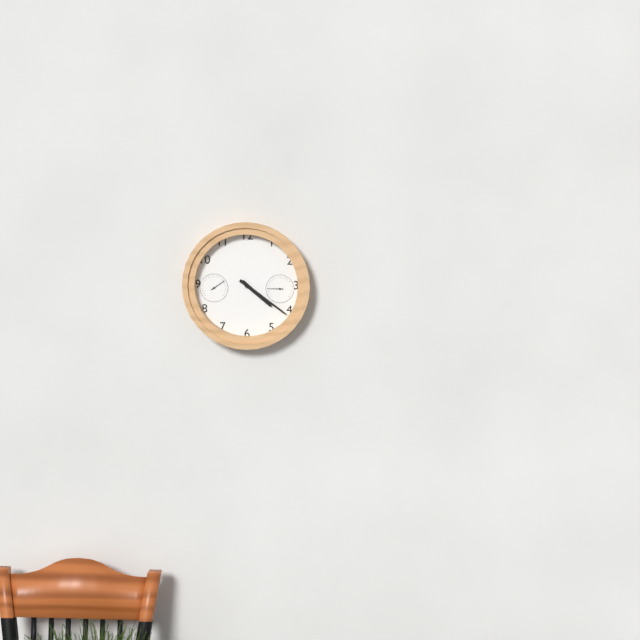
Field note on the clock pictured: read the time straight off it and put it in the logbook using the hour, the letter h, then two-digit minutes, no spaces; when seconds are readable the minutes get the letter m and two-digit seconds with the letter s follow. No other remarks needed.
4h21
